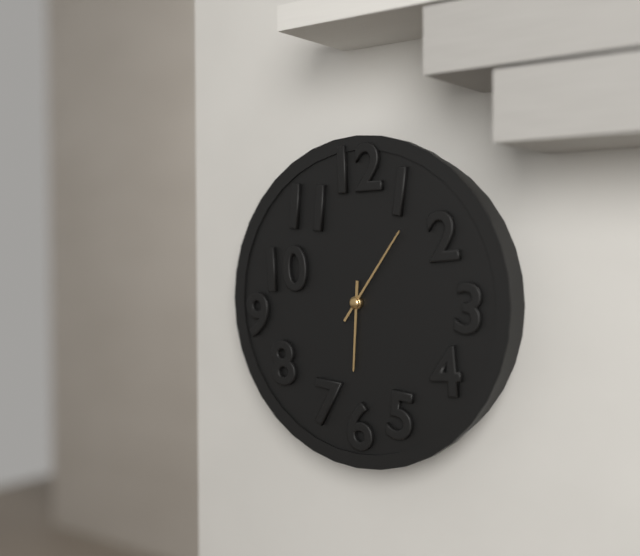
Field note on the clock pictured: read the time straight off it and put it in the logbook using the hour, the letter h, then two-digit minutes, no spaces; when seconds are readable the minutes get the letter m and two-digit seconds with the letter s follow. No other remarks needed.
6h06
